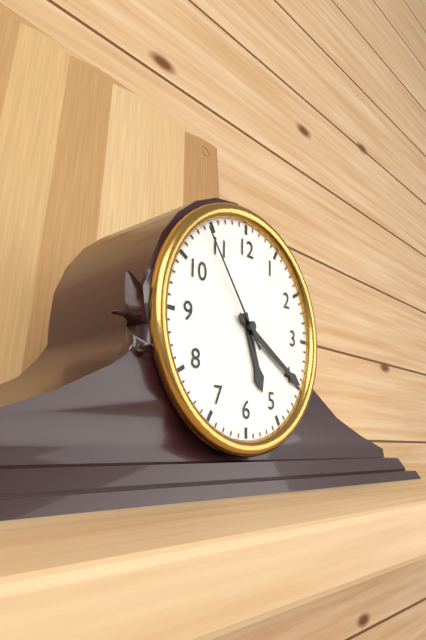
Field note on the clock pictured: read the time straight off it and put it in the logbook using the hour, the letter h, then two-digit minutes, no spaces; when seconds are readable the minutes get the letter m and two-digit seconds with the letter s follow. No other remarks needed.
5h20m54s
